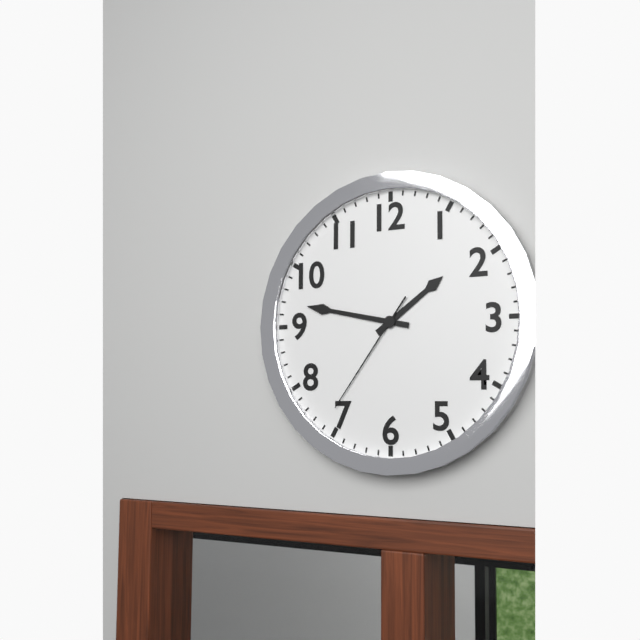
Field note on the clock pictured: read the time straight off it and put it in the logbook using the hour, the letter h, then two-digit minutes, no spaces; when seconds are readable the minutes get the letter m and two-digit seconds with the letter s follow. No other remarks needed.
1h47m36s
